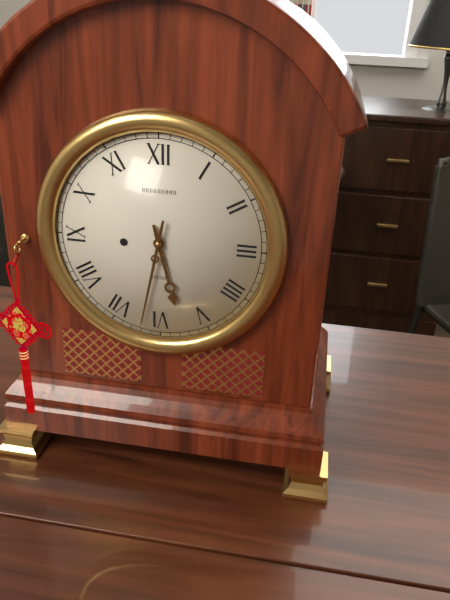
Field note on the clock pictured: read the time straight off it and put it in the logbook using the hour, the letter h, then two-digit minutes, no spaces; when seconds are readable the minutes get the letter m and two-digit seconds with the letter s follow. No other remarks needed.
5h32
